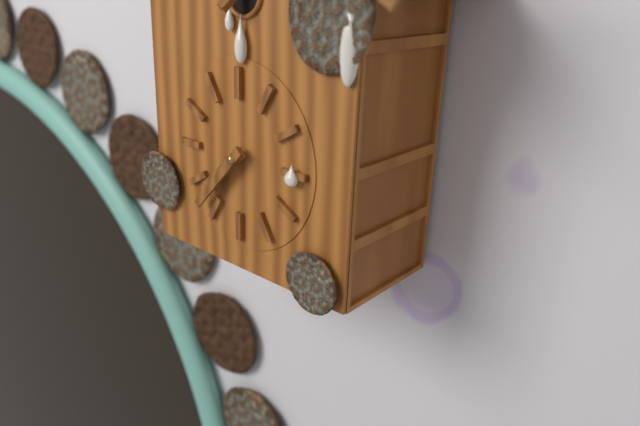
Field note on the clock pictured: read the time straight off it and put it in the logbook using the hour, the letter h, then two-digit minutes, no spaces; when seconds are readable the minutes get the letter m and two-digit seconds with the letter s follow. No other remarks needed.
7h37
